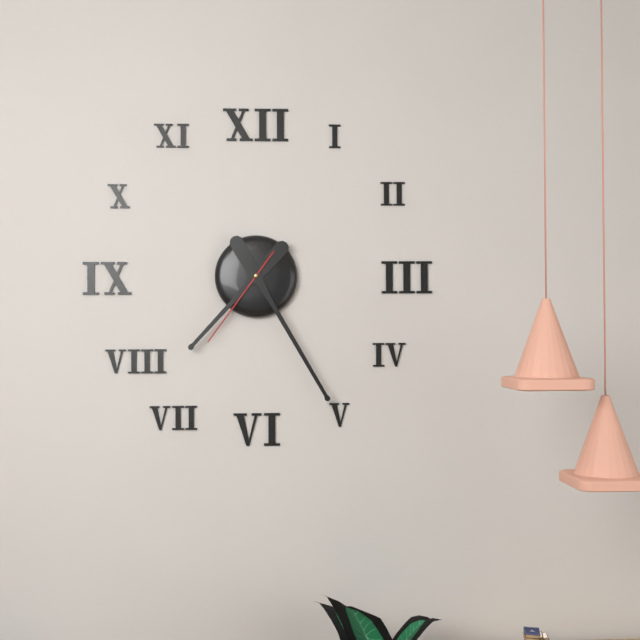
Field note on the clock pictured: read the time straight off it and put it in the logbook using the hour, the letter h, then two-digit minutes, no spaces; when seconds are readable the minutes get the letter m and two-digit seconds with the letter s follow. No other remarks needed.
7h25m36s
